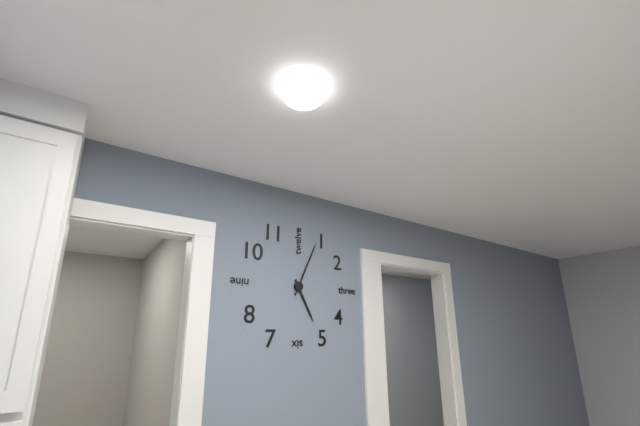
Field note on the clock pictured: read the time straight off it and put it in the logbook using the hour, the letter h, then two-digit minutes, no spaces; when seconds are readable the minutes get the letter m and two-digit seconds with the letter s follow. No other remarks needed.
5h04
